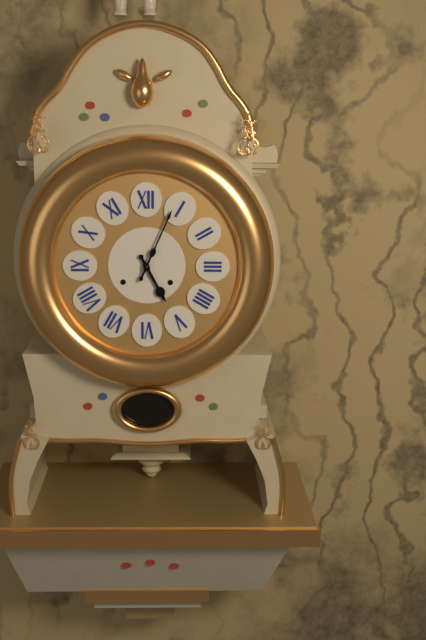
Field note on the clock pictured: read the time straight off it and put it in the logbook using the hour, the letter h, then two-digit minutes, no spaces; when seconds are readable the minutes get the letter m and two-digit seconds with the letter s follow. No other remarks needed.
5h04
